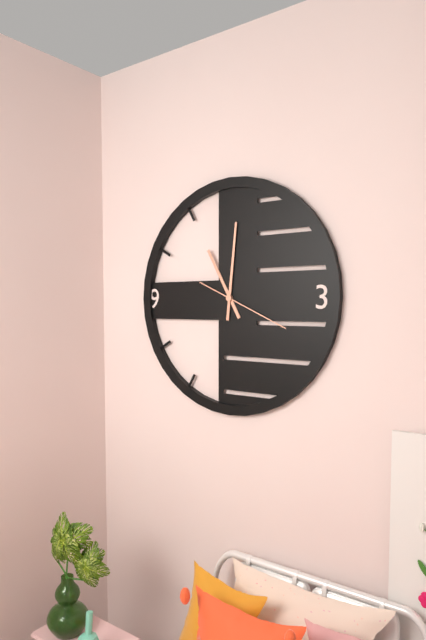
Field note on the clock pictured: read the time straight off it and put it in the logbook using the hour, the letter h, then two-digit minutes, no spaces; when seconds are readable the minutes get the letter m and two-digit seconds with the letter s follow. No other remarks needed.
11h01m19s
